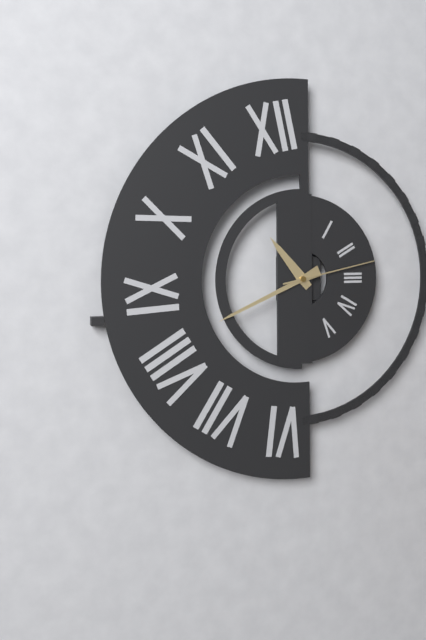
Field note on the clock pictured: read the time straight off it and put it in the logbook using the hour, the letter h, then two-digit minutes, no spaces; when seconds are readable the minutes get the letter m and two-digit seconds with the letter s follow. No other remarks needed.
10h41m13s
